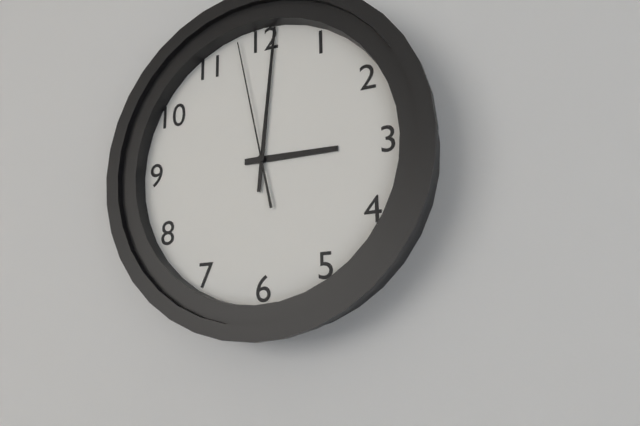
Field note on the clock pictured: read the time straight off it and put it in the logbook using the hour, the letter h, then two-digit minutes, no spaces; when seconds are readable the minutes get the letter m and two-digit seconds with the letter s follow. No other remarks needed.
3h01m58s
